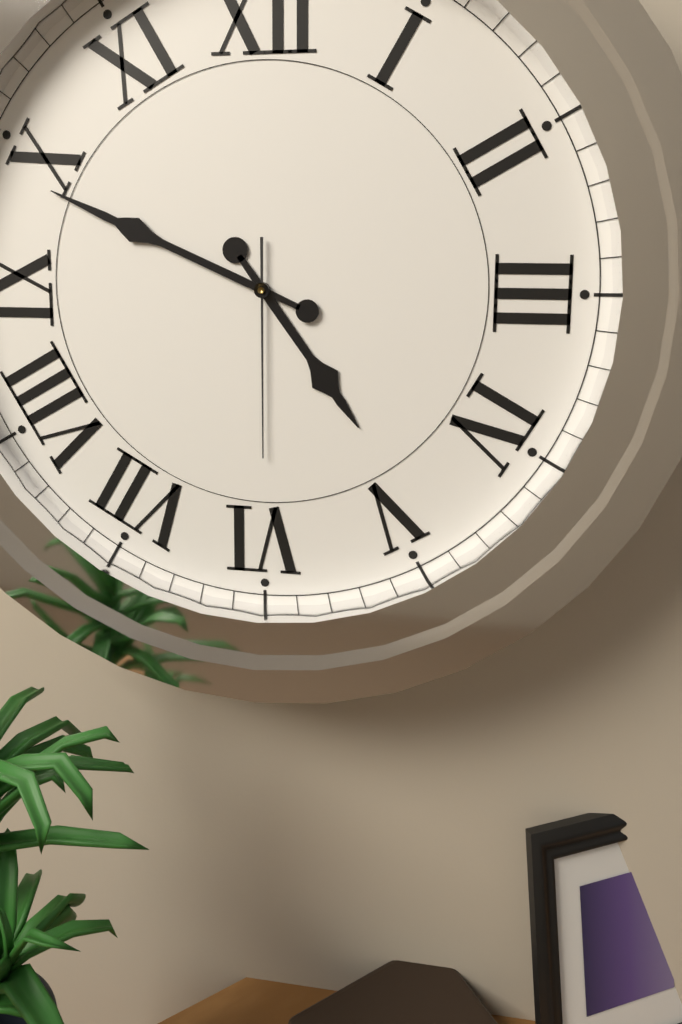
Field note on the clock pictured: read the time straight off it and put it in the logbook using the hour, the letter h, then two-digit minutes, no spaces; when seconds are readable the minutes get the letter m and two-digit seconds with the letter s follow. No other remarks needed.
4h49m30s
